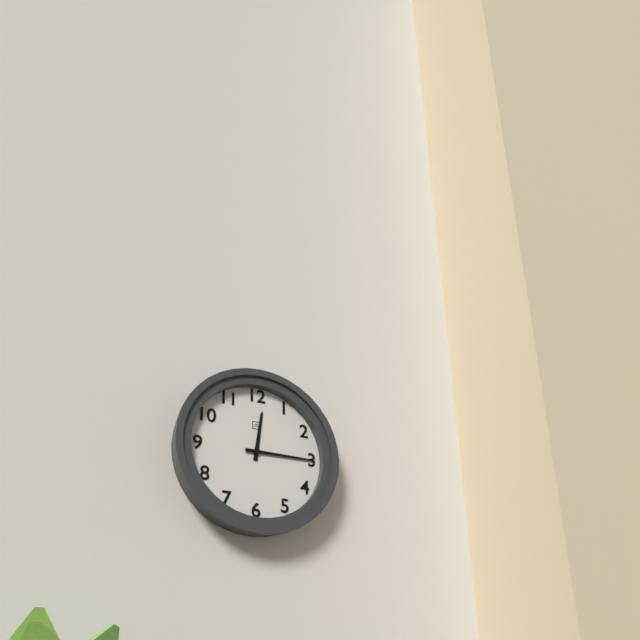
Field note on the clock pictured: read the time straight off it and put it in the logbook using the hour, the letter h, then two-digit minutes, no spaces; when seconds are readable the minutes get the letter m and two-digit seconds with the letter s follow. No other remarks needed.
12h15
